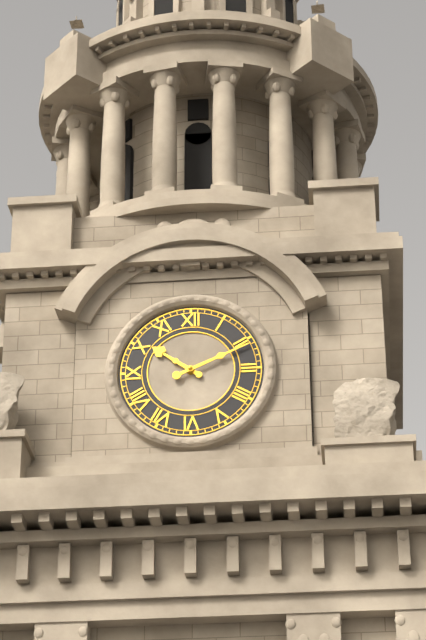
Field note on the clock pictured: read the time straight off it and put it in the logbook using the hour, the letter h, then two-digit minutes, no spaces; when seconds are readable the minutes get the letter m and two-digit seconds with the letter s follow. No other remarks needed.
10h11
